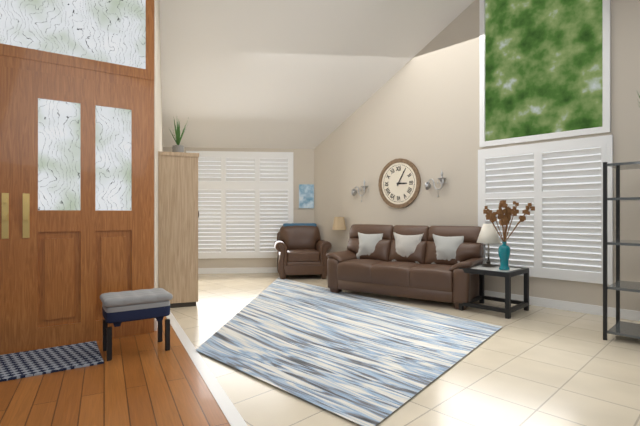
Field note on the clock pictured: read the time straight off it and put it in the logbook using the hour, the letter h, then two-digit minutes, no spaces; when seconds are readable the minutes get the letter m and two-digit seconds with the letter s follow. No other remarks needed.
3h05
